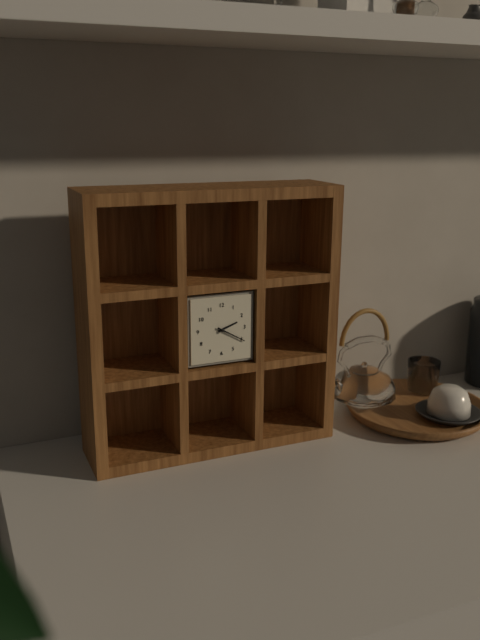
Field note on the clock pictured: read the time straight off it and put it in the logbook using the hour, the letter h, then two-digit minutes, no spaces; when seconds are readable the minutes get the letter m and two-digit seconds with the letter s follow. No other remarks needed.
2h20
